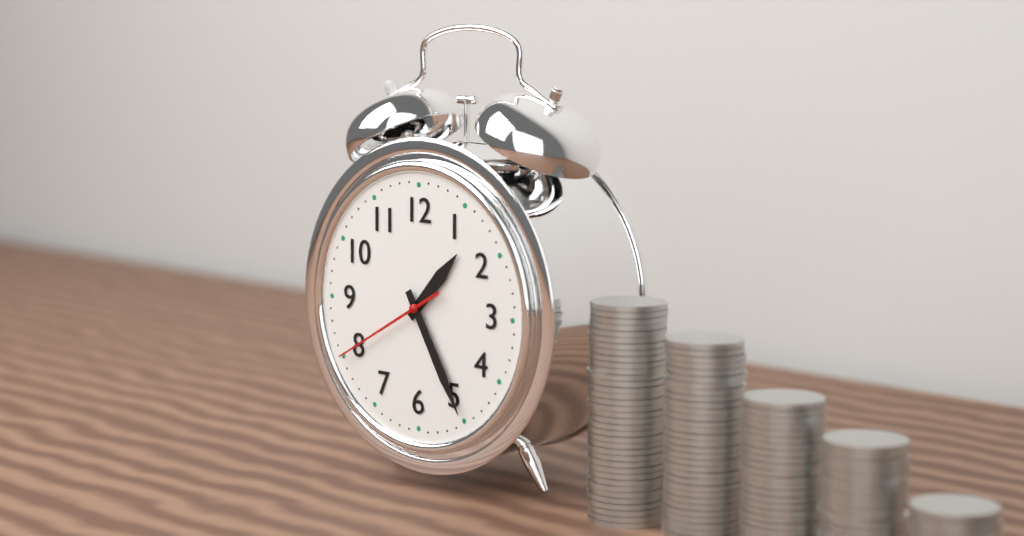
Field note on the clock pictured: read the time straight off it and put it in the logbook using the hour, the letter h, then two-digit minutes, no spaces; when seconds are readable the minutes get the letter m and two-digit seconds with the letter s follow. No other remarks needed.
1h25m40s
